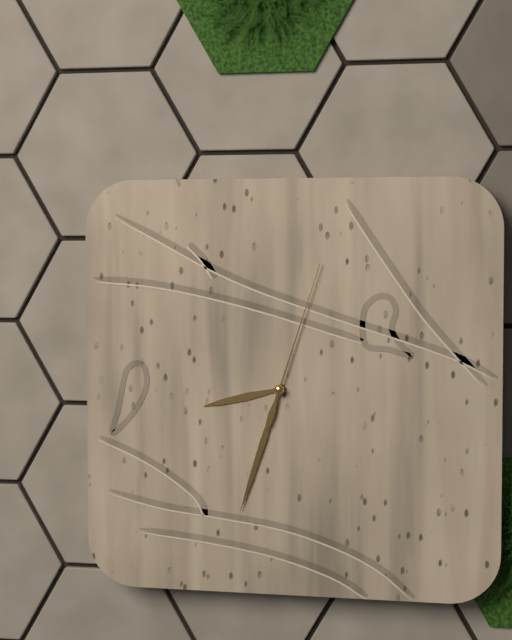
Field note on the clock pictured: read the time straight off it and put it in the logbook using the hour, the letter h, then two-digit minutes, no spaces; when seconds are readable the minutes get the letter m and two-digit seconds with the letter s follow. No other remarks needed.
8h33m03s
